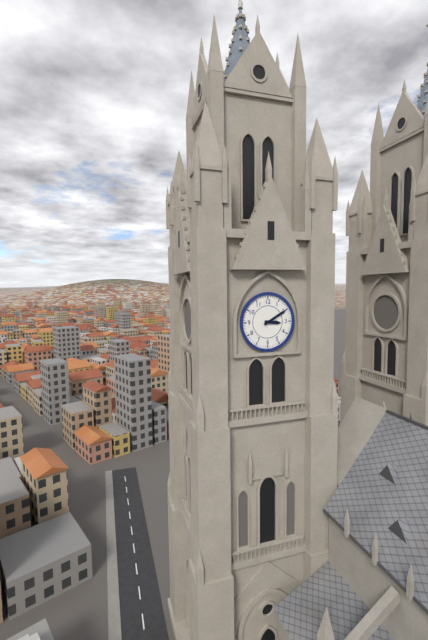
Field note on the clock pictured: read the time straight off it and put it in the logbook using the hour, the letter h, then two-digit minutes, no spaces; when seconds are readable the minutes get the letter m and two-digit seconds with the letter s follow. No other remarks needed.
3h10
